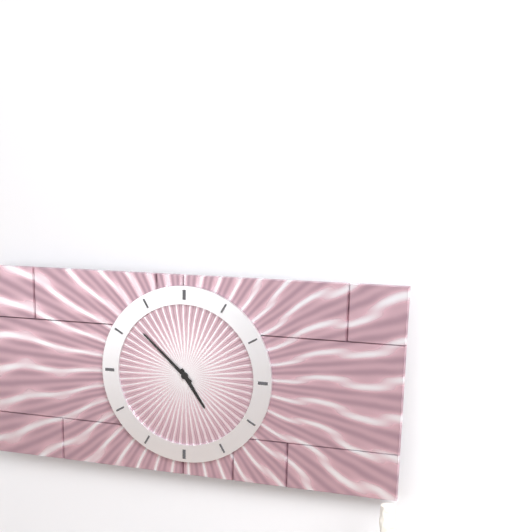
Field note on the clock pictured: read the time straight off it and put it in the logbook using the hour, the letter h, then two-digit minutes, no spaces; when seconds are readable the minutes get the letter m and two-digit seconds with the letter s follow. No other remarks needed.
4h52
